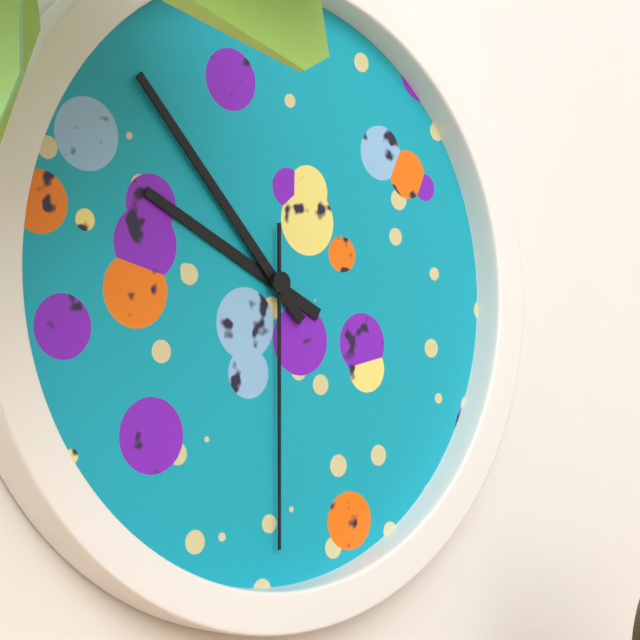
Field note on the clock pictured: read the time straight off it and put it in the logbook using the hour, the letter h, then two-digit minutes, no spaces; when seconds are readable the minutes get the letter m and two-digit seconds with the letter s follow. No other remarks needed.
9h53m30s
